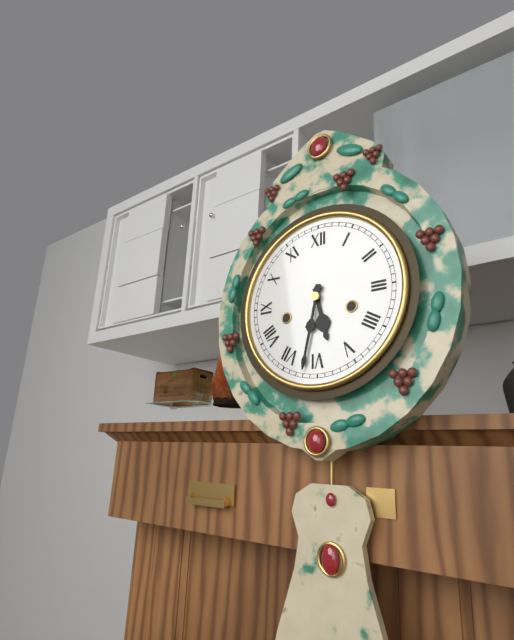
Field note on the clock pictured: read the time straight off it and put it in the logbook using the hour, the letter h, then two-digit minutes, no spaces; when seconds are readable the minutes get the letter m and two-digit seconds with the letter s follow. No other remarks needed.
5h32
